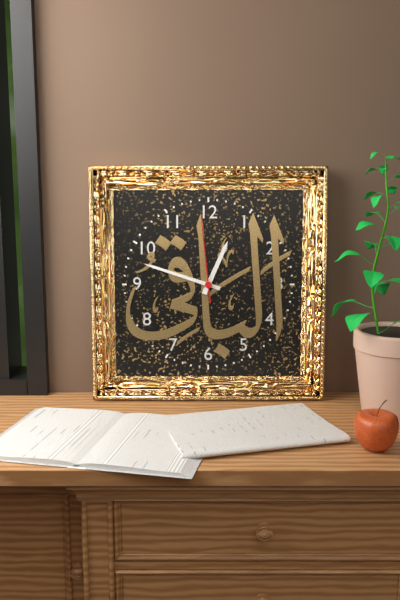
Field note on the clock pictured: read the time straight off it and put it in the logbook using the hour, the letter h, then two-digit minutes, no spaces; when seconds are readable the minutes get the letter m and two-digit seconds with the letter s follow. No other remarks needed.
12h48m59s
